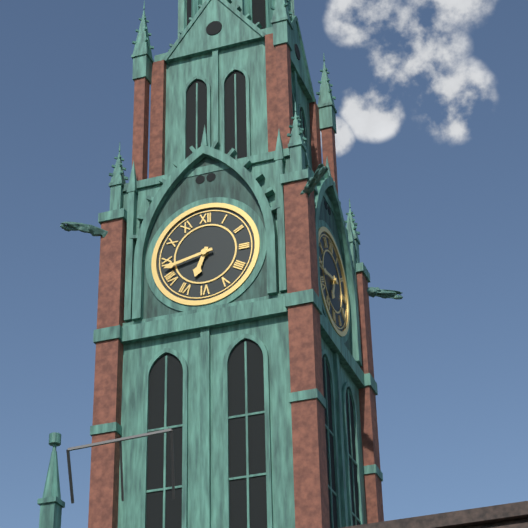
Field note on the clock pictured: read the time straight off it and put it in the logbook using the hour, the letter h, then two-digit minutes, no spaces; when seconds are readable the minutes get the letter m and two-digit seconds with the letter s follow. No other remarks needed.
6h43
